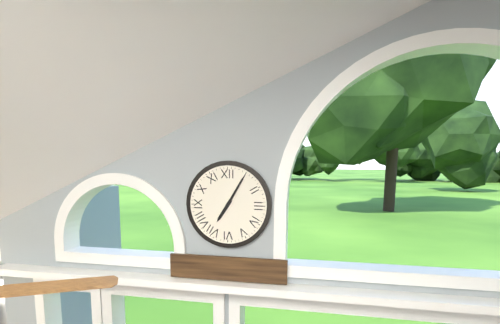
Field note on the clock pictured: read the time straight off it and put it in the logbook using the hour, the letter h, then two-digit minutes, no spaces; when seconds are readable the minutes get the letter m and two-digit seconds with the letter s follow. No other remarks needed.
7h05
